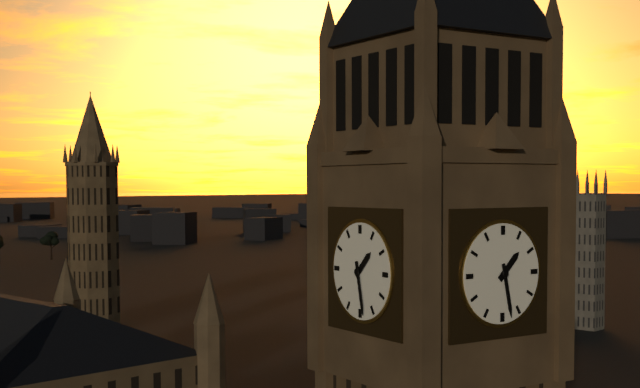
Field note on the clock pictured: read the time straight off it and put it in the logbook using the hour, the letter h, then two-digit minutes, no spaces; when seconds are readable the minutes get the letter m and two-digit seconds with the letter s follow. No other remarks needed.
1h28
